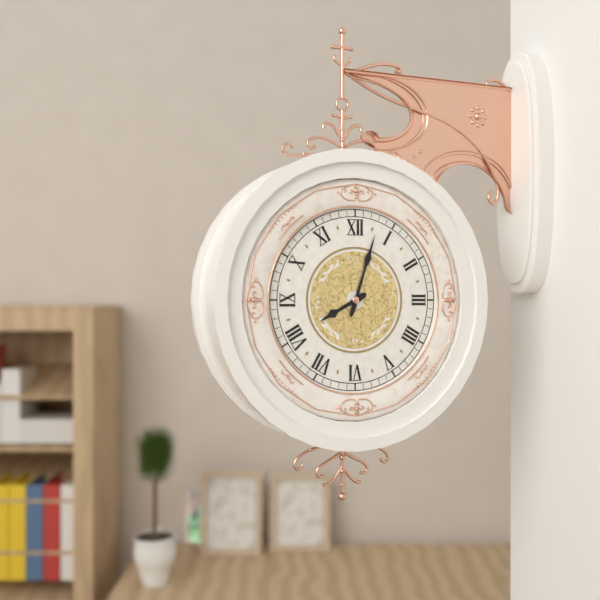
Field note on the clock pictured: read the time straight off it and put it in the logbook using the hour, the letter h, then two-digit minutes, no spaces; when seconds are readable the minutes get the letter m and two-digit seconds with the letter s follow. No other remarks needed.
8h03
